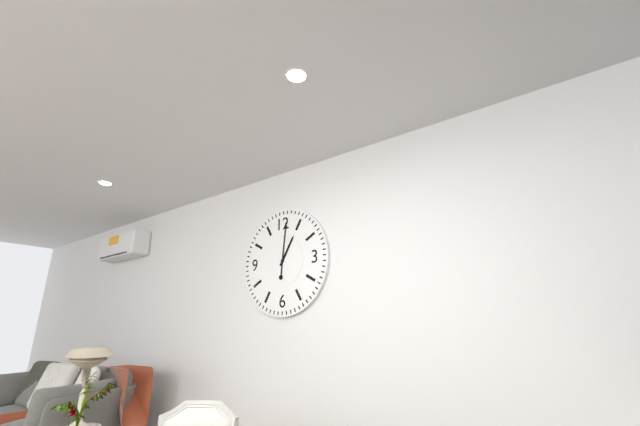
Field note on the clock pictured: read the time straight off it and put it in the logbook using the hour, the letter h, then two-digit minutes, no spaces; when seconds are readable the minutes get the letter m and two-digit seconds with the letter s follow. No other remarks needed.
1h01
